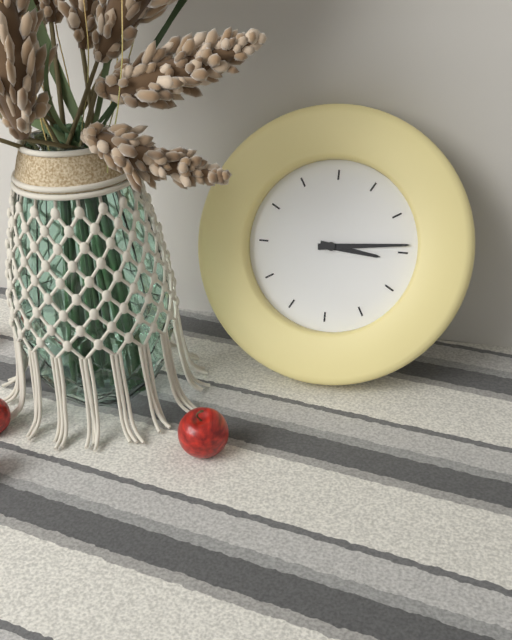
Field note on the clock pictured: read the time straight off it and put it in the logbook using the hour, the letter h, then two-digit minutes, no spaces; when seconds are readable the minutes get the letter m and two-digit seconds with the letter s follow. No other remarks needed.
3h14
